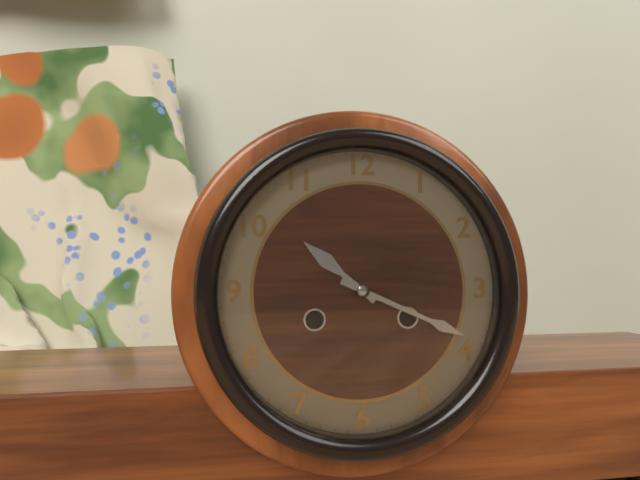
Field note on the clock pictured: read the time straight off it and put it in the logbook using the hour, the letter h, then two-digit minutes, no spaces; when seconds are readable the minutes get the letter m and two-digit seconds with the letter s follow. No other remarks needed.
10h19
